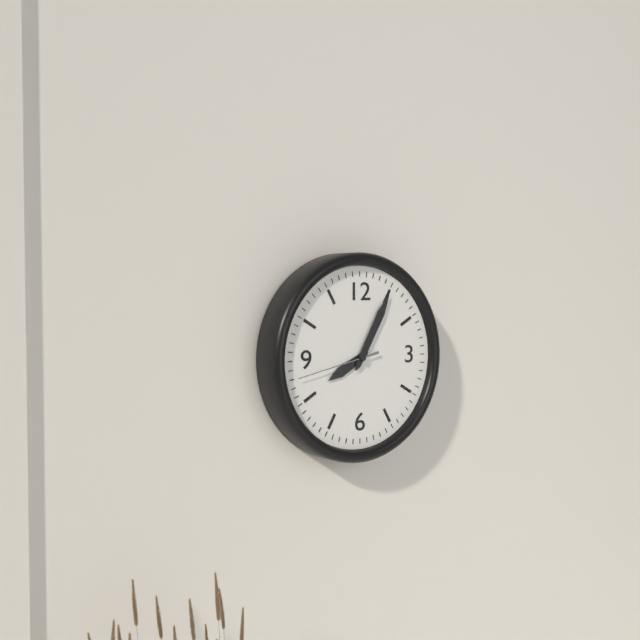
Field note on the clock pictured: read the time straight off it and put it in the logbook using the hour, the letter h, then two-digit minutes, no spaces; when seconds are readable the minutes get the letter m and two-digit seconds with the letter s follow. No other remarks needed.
8h05m43s
